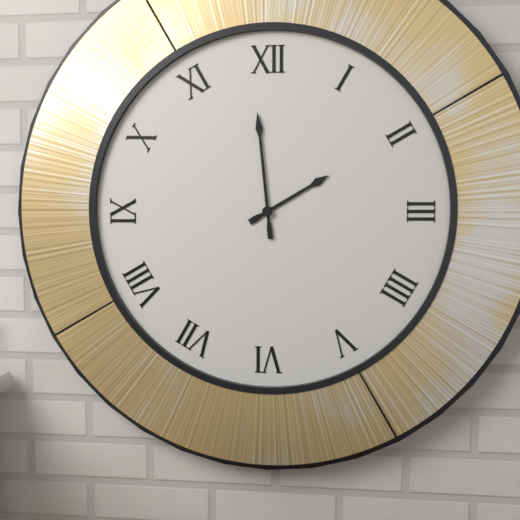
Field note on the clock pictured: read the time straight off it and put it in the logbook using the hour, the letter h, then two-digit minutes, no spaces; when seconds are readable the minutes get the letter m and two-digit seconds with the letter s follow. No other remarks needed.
1h59
